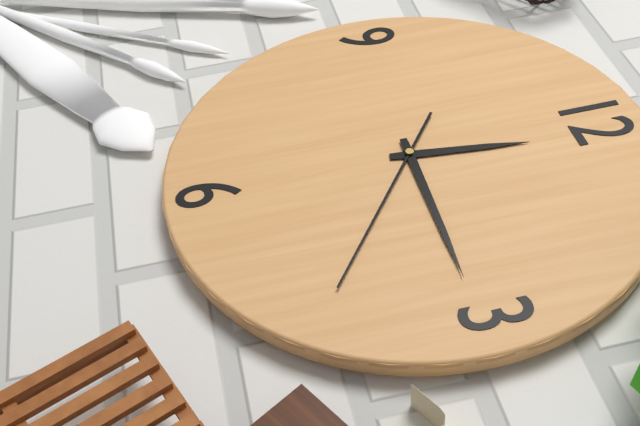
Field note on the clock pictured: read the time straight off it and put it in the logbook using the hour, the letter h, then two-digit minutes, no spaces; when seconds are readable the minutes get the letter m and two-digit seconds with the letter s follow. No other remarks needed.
12h15m21s
